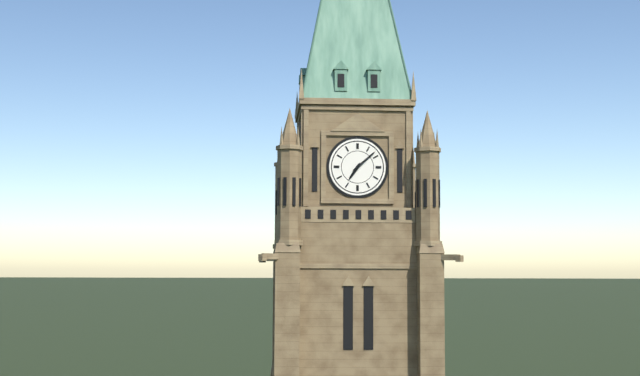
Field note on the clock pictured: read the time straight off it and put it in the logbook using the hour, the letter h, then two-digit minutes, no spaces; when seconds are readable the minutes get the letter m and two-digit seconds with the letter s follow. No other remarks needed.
7h08
